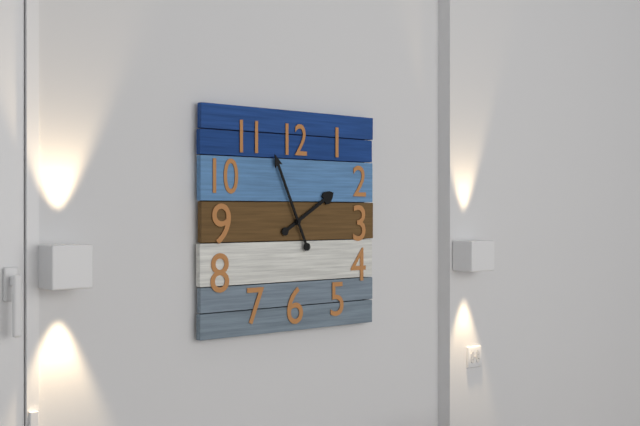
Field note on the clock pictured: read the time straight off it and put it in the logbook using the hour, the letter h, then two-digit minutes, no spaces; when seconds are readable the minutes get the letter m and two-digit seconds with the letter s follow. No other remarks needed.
1h56
